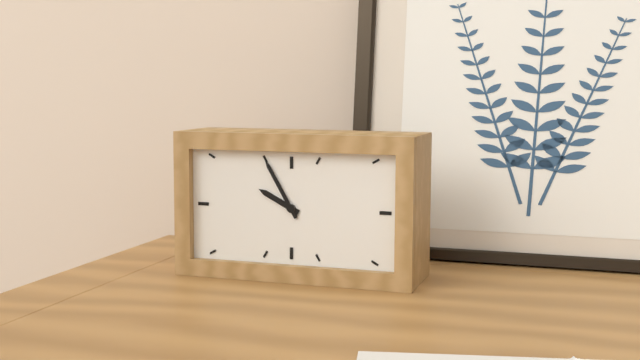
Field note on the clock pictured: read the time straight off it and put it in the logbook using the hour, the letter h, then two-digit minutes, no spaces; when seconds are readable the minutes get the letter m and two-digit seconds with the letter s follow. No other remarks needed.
9h55
